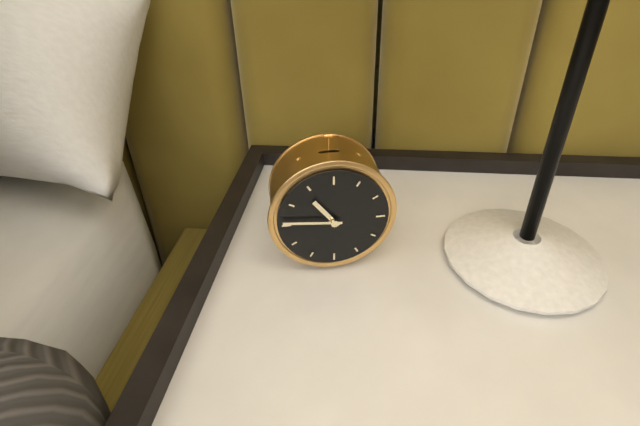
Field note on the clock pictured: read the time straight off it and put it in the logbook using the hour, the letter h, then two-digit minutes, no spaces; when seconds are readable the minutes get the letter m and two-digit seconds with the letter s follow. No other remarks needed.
10h46
